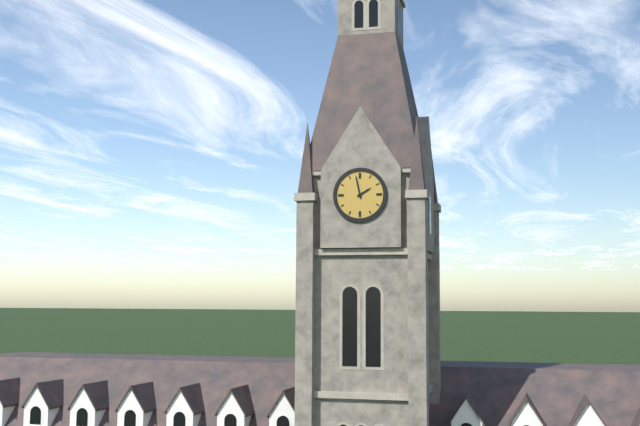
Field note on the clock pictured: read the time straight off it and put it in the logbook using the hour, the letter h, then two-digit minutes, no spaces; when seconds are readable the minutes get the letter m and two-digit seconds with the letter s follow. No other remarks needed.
1h58
